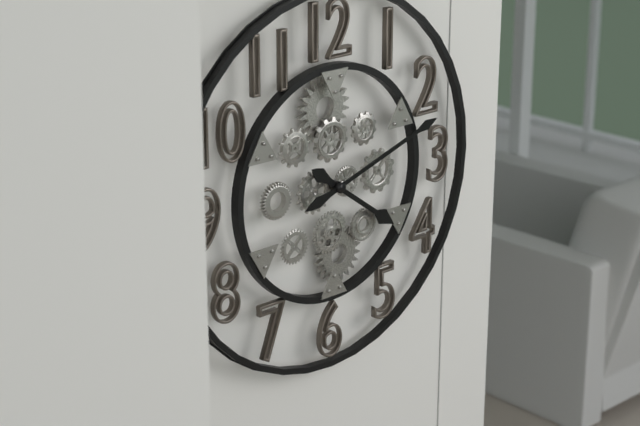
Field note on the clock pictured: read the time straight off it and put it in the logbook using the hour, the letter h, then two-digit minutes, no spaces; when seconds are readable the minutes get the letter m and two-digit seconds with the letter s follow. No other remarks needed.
4h12
